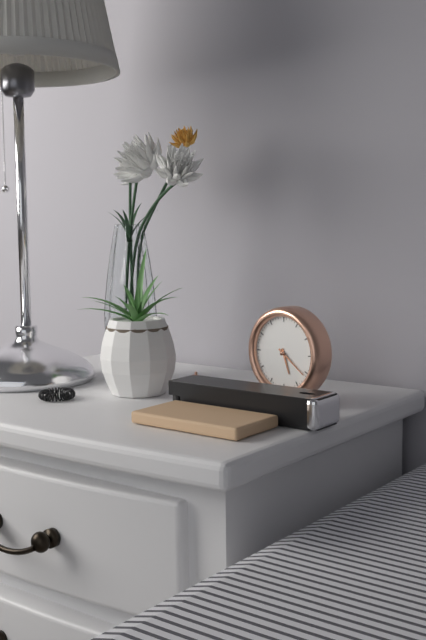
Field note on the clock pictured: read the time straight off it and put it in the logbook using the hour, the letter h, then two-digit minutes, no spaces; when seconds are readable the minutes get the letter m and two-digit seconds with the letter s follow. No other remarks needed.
5h21
